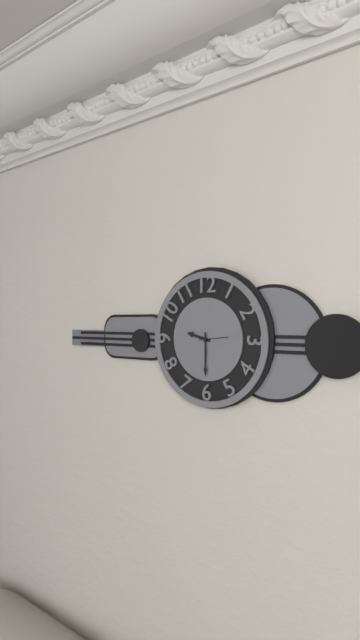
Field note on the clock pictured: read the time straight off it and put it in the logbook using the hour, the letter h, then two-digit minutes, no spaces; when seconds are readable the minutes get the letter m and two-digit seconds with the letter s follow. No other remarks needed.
9h30
